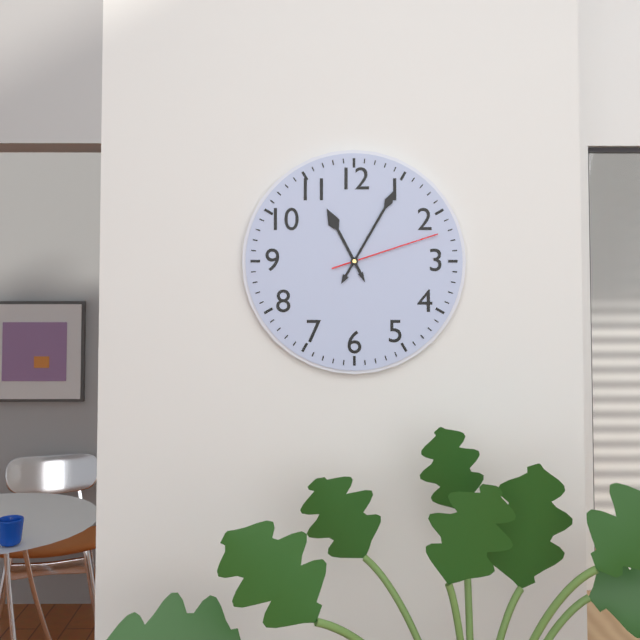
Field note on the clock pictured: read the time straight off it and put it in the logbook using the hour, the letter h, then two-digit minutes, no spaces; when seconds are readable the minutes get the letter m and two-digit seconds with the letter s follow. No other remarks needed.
11h05m12s
